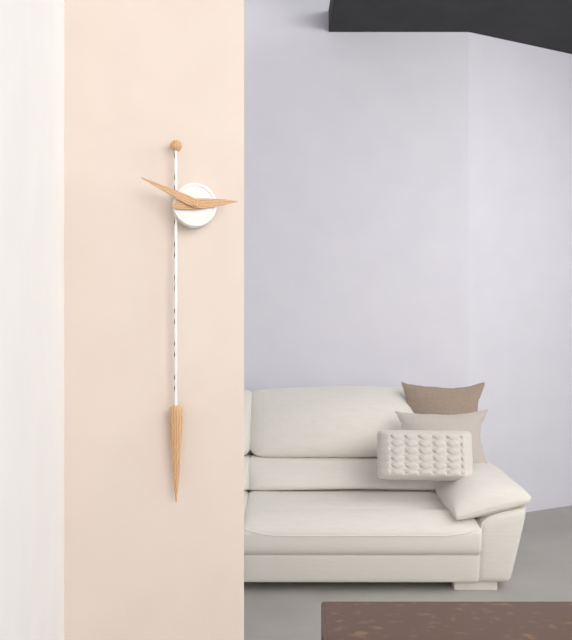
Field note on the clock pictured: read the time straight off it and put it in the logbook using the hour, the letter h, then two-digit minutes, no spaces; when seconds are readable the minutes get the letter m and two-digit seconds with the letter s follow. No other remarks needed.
2h49
